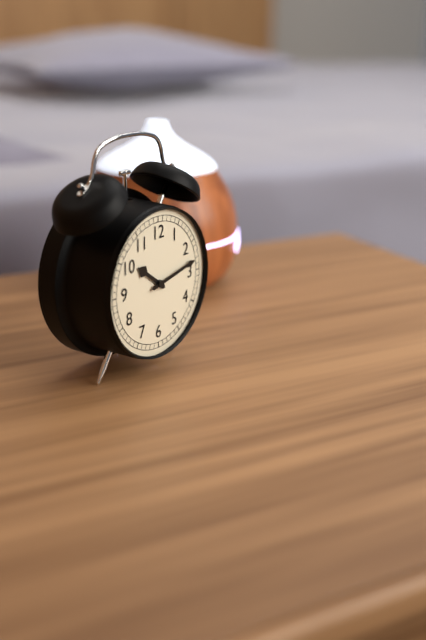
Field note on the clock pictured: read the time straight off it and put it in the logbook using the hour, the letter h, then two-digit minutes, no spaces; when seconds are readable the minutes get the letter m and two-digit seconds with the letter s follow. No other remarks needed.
10h13
